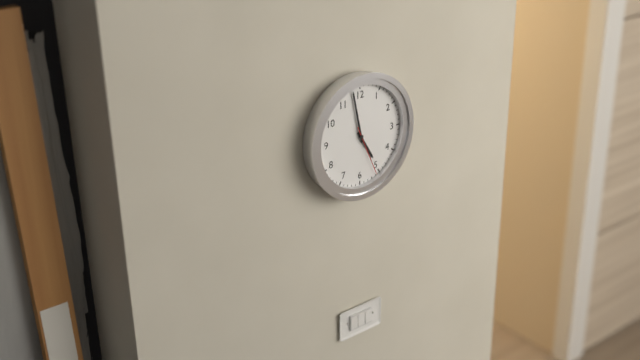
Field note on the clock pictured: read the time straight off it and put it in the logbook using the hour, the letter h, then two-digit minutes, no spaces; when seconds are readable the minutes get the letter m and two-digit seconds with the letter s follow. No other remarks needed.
4h58m26s
